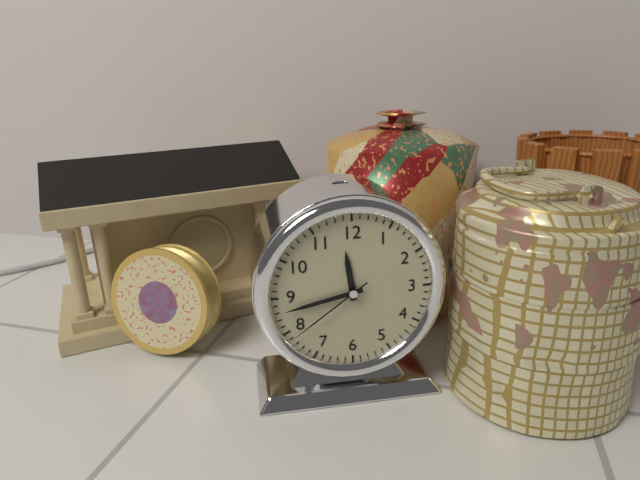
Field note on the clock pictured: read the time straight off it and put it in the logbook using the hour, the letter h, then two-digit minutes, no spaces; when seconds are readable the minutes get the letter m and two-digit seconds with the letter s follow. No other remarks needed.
11h43m39s
